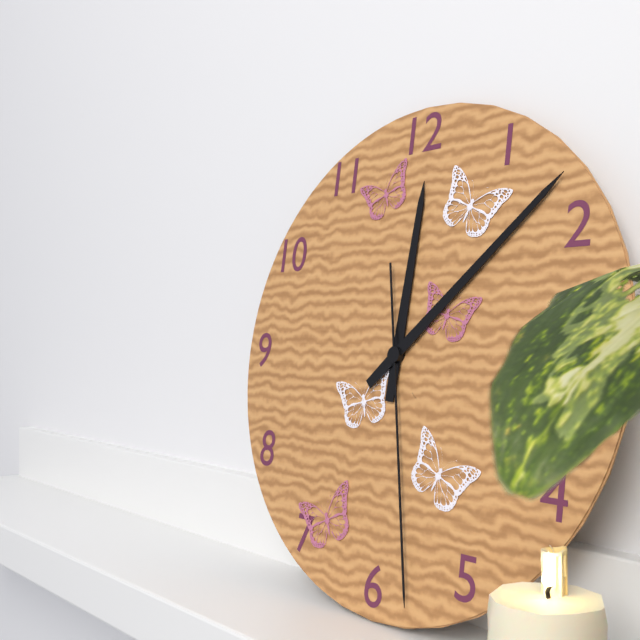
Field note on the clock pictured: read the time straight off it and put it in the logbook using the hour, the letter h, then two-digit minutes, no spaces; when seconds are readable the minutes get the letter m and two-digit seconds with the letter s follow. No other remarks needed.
12h08m28s
